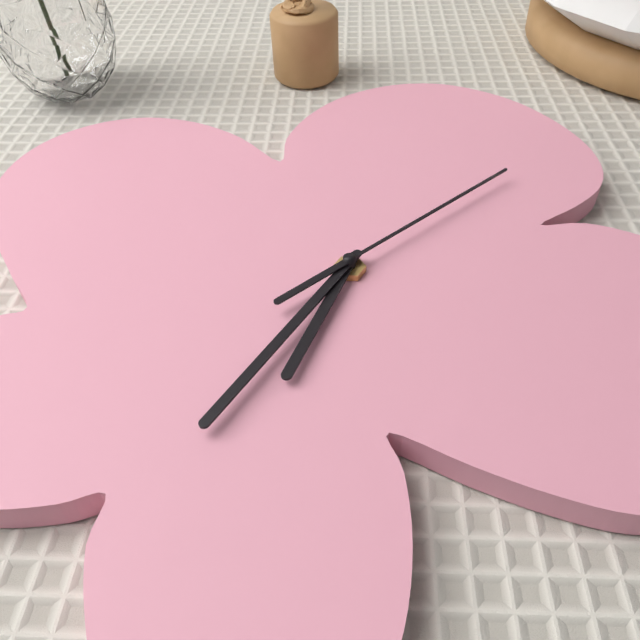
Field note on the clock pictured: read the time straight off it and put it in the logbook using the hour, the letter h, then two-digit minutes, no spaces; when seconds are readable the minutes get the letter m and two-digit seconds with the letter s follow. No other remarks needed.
7h40m13s
